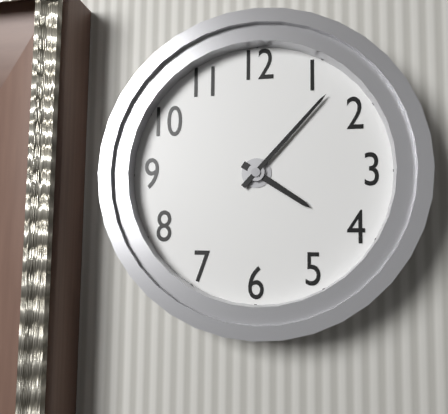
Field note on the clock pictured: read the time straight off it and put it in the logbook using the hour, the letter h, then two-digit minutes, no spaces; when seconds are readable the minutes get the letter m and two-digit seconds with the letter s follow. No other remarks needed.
4h07
